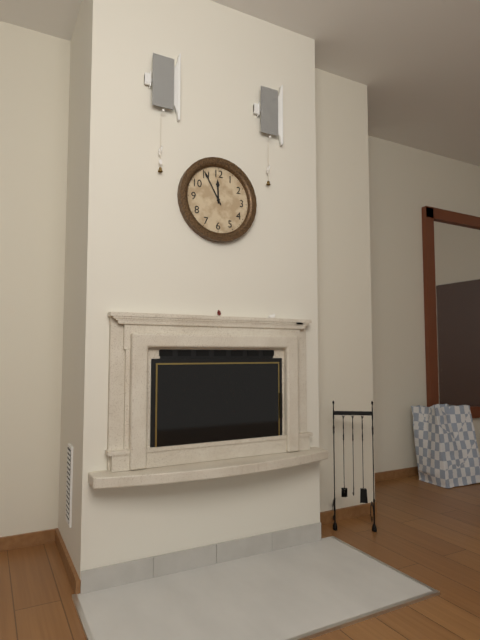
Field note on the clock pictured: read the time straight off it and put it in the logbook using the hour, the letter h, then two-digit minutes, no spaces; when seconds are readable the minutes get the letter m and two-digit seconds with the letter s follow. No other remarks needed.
11h55
